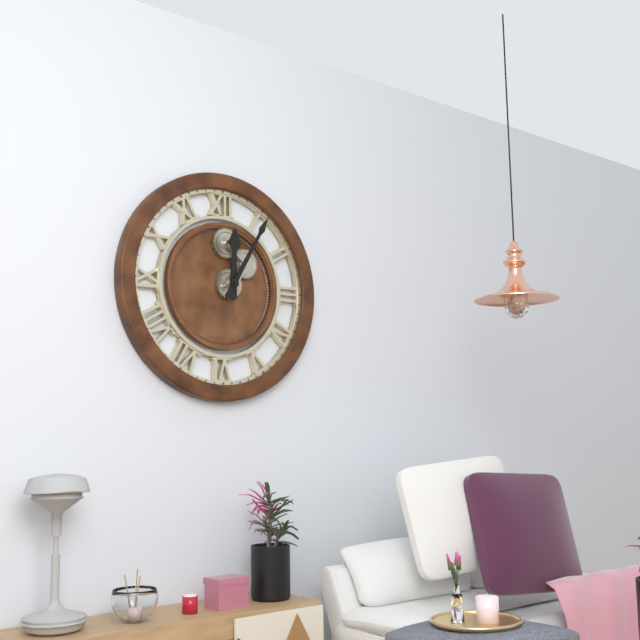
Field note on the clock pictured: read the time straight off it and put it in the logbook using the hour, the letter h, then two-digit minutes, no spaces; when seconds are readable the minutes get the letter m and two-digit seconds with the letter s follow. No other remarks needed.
12h05
